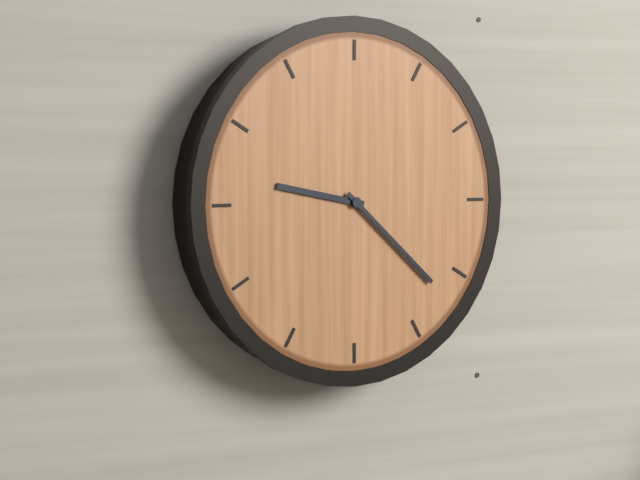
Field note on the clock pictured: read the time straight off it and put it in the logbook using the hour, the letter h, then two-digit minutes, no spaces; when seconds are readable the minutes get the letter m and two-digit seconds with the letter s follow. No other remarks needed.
9h22
